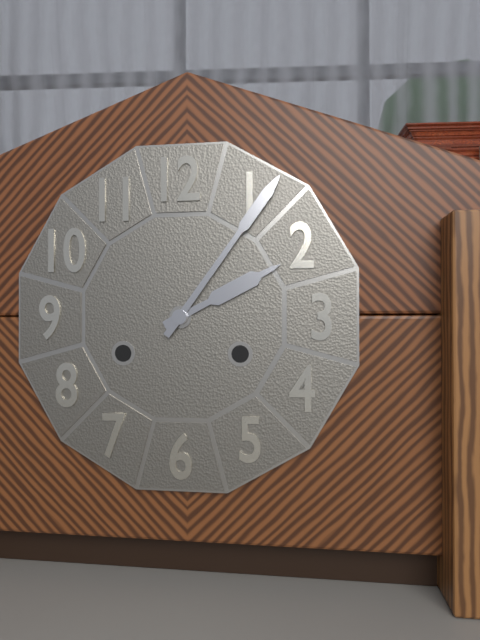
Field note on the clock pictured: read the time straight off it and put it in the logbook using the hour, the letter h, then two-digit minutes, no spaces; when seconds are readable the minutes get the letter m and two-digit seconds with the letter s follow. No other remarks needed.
2h06
